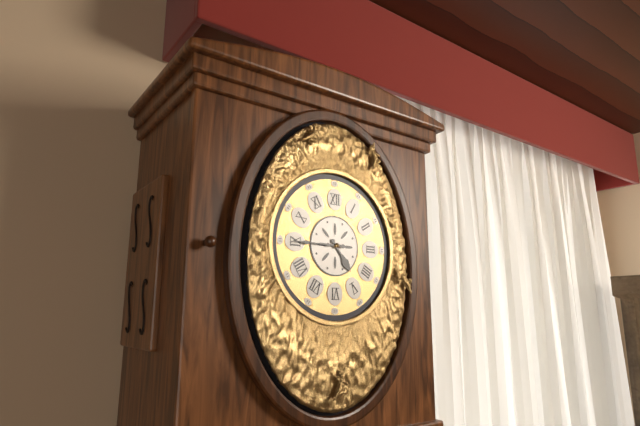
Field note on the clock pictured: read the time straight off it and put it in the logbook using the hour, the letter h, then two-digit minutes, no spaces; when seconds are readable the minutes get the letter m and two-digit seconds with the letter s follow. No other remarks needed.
4h45
